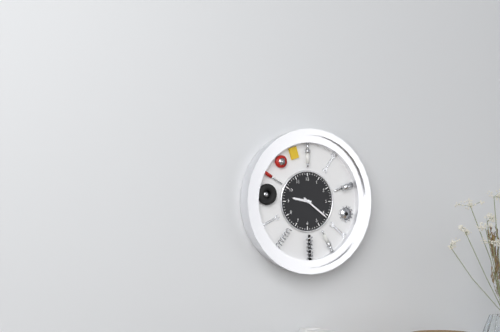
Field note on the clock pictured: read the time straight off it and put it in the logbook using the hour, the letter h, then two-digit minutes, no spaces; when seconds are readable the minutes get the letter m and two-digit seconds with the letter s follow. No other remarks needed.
9h21
